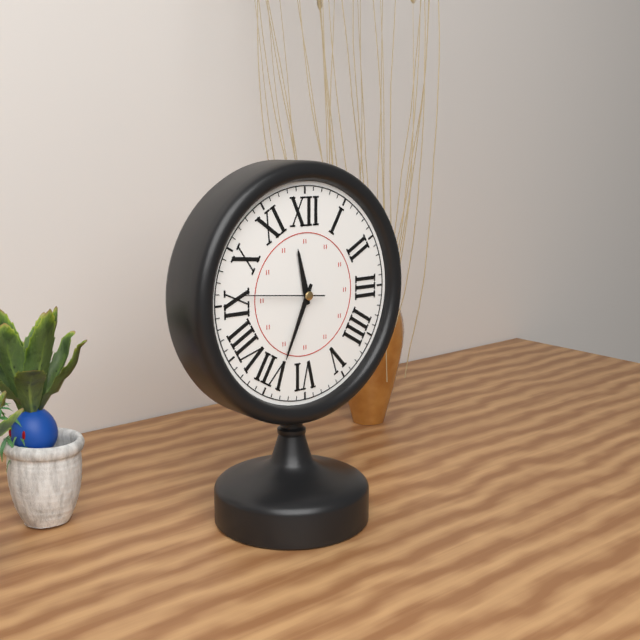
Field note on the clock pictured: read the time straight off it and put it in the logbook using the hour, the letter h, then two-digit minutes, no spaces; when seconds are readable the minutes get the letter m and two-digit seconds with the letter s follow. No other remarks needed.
11h34m46s
